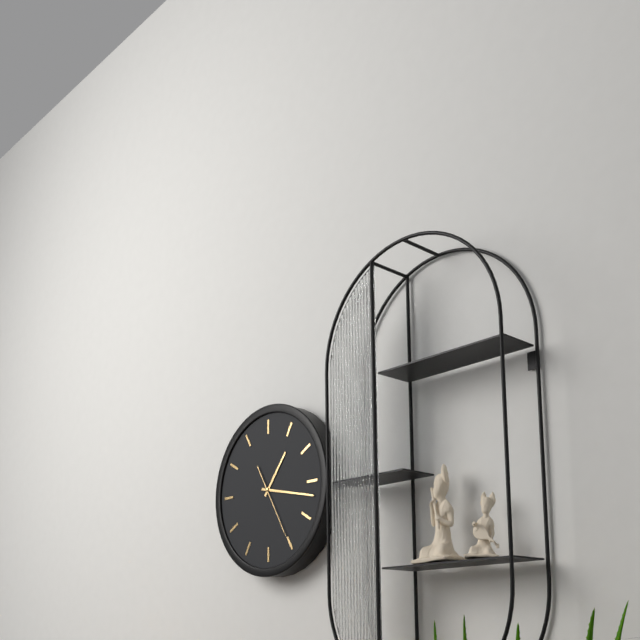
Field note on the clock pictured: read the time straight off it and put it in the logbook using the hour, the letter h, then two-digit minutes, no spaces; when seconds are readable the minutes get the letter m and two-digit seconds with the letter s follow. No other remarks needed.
1h17m25s
